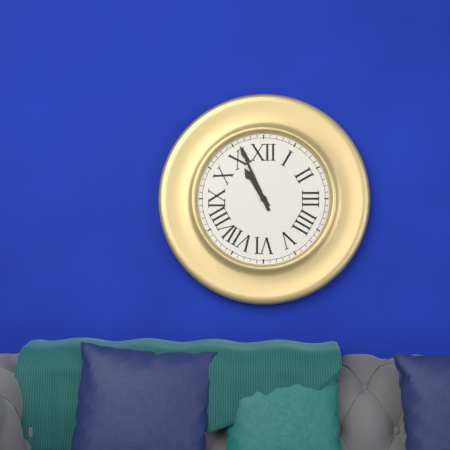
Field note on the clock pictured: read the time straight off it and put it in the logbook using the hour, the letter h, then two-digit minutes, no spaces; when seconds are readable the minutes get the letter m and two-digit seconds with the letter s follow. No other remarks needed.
10h56
